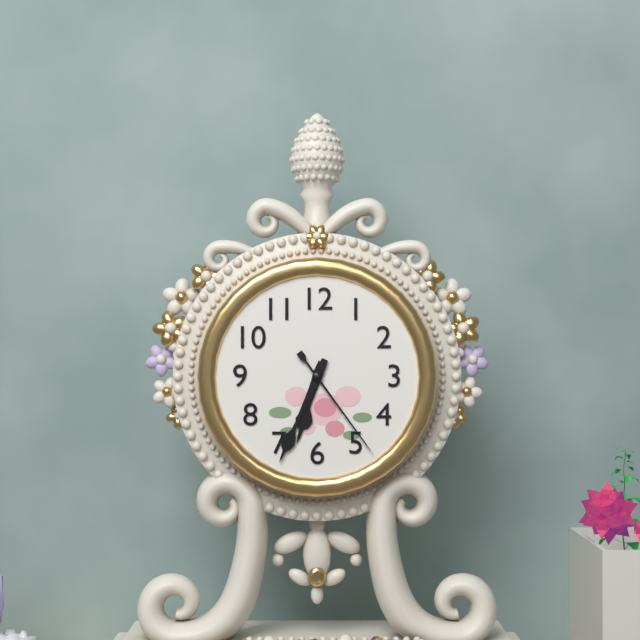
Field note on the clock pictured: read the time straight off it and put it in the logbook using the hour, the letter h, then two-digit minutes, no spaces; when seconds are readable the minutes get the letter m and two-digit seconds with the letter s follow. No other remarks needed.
6h34m24s
